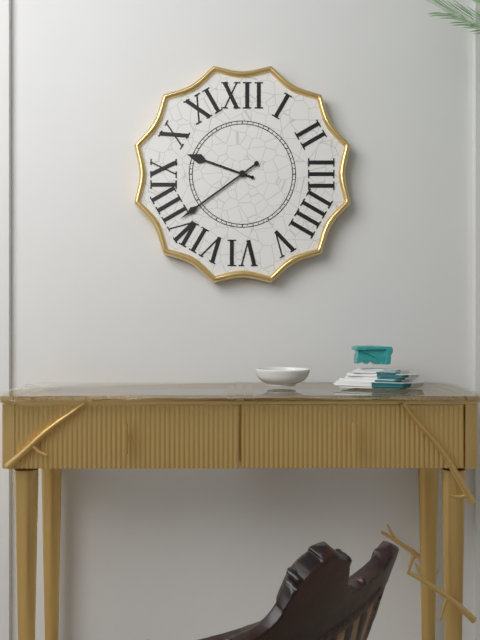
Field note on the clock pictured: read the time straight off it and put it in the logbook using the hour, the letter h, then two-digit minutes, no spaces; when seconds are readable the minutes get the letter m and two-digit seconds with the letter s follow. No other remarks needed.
9h39
